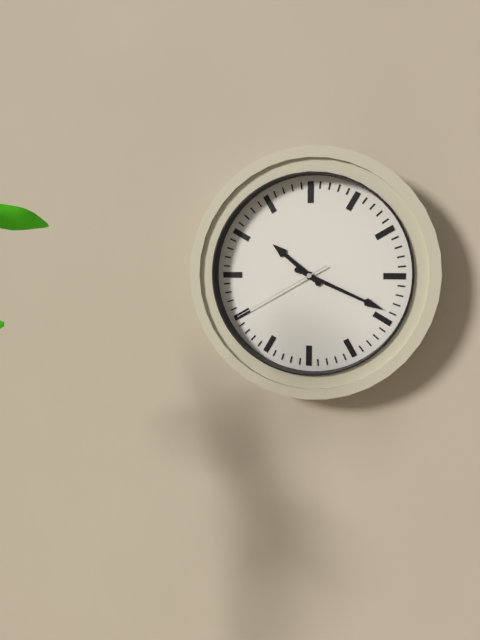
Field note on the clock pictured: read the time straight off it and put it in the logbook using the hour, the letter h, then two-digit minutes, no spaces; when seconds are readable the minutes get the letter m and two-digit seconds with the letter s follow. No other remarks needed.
10h19m40s
